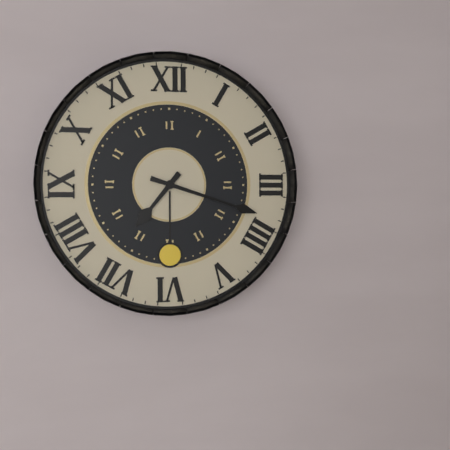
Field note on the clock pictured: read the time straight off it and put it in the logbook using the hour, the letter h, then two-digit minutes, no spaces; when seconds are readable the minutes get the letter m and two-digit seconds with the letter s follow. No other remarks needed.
7h18
